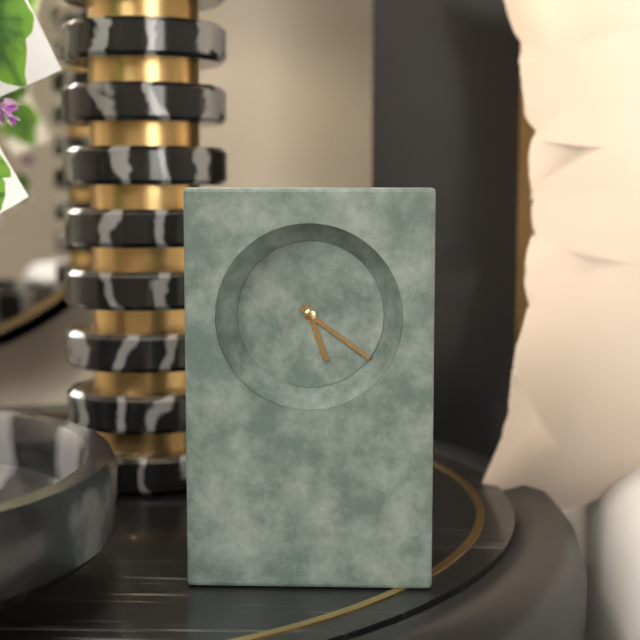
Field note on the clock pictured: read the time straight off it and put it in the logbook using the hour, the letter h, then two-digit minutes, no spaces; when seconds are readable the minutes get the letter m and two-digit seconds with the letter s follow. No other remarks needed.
5h21
